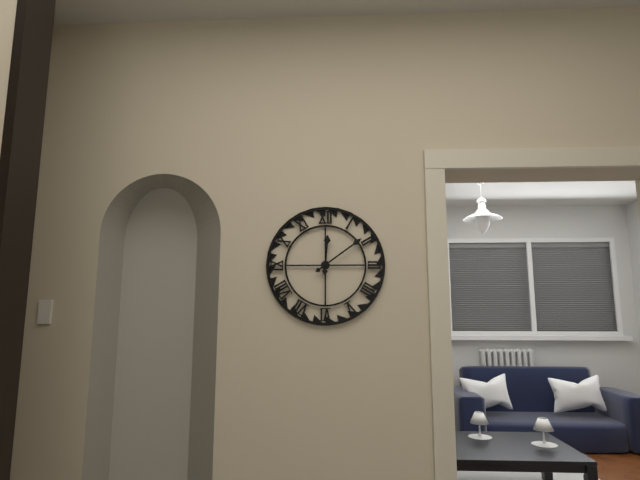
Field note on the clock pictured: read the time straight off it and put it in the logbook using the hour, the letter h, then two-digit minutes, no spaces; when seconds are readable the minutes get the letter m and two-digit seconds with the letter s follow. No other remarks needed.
12h09
